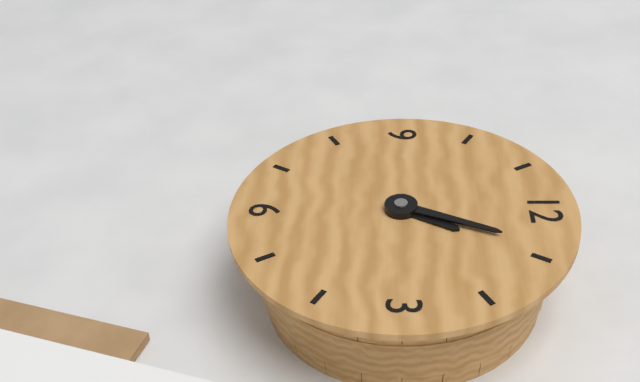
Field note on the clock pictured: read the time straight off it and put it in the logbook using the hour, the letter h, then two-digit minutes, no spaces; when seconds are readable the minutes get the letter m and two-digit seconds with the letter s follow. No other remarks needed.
1h04
